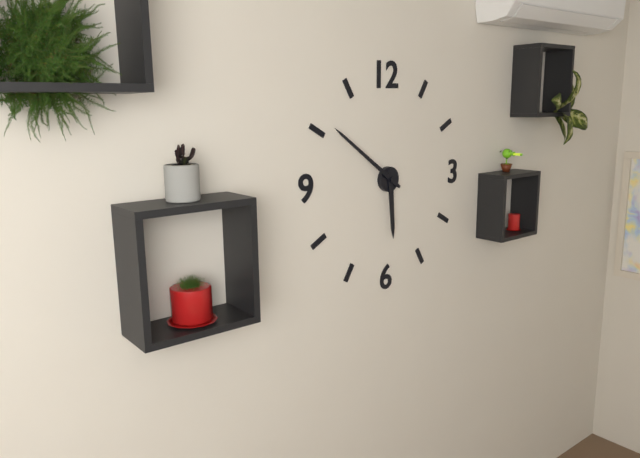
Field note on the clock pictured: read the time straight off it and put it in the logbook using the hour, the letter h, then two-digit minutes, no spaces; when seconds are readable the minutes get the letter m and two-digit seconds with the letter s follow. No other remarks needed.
5h51
